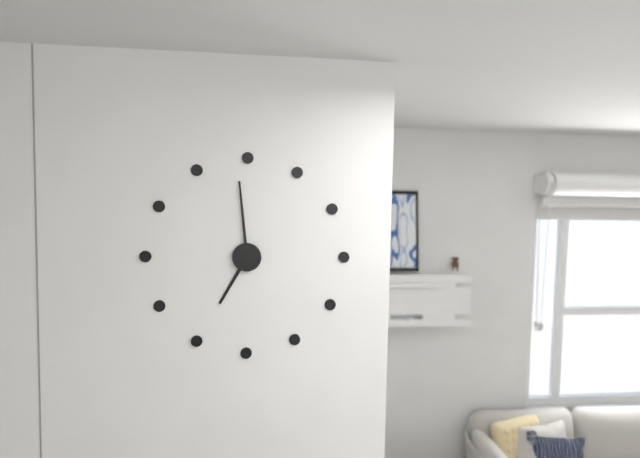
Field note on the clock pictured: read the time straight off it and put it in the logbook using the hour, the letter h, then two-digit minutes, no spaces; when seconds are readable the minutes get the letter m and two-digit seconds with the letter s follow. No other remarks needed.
6h59
